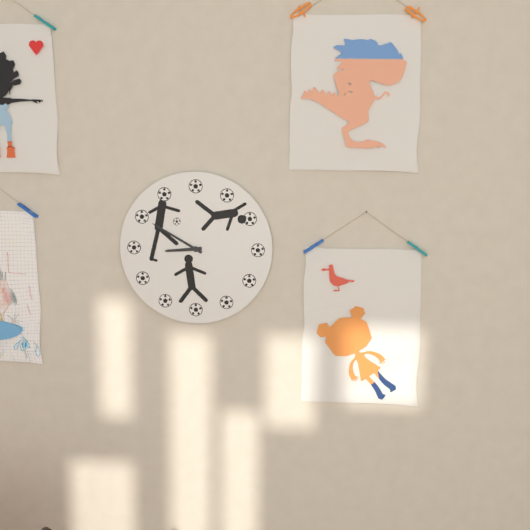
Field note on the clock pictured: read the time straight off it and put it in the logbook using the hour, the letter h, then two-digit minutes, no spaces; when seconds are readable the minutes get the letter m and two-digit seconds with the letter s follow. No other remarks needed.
8h50
